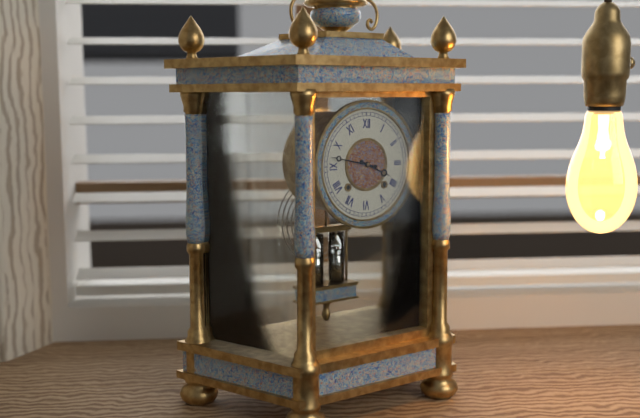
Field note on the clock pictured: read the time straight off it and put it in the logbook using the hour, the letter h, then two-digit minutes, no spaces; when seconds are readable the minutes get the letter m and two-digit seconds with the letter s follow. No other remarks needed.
3h47
